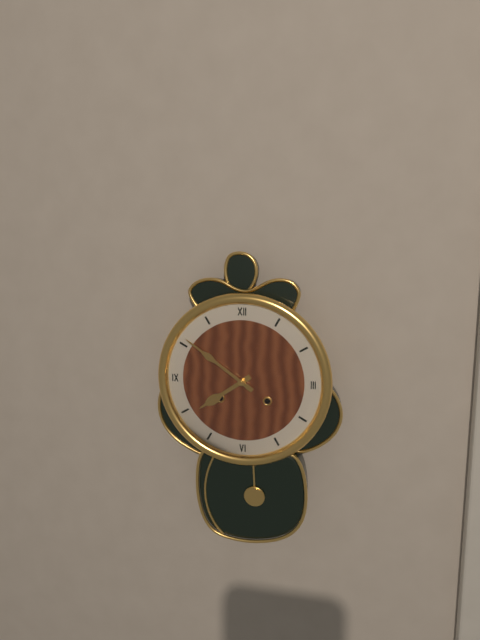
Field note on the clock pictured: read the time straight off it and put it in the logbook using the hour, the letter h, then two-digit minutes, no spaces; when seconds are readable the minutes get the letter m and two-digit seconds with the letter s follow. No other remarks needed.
7h51
